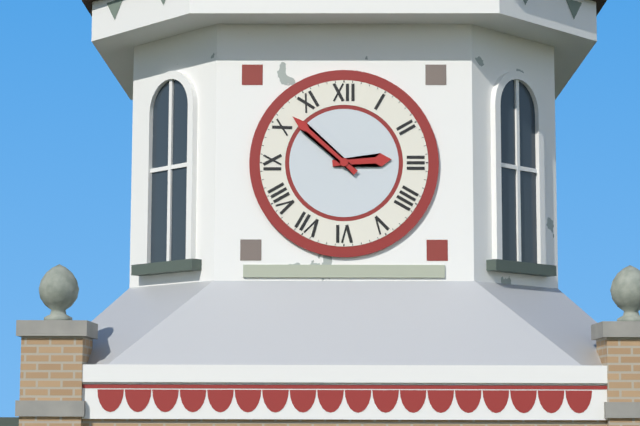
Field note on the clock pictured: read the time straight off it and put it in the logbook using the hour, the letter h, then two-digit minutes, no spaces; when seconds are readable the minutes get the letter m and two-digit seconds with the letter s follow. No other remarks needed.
2h52
